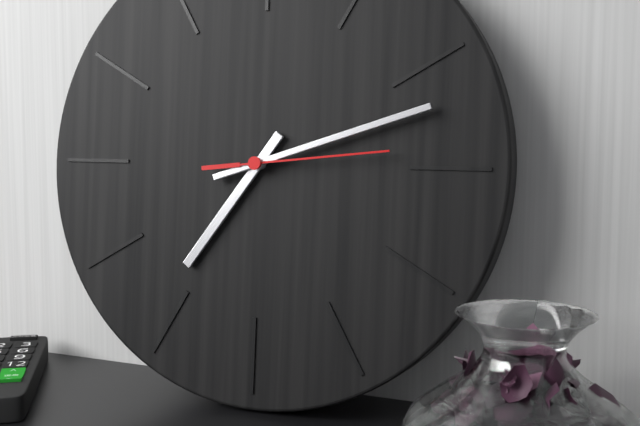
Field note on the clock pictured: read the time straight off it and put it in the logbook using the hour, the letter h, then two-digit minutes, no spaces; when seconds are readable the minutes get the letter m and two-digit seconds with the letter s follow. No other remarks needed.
7h12m14s
